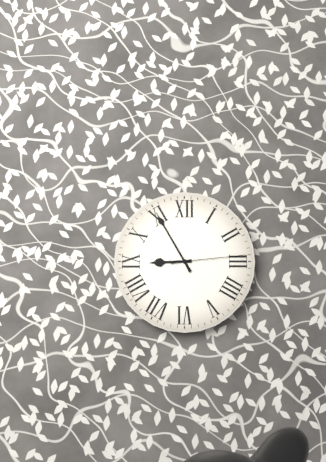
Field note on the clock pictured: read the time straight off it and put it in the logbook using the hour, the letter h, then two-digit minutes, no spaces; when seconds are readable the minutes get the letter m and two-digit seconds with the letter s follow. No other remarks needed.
8h55m14s
